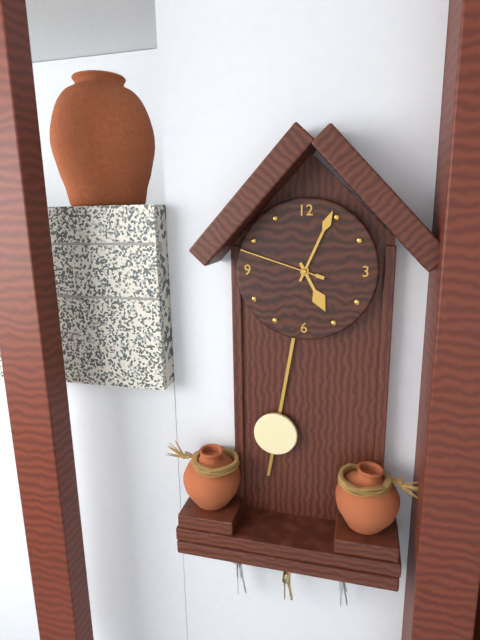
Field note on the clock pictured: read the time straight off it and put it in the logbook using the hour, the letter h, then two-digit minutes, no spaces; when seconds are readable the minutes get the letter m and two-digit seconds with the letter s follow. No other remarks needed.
5h04m48s
